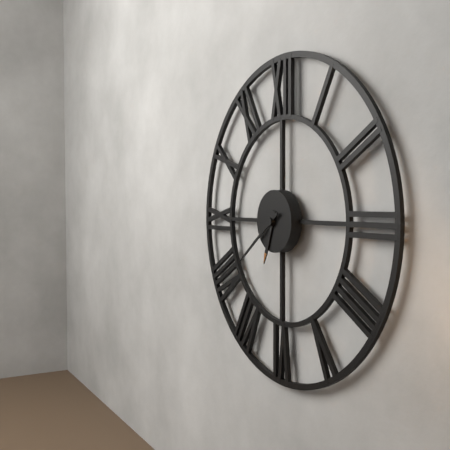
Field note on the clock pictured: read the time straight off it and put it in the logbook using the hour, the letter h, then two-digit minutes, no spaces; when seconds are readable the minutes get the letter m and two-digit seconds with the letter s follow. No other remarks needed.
6h39
